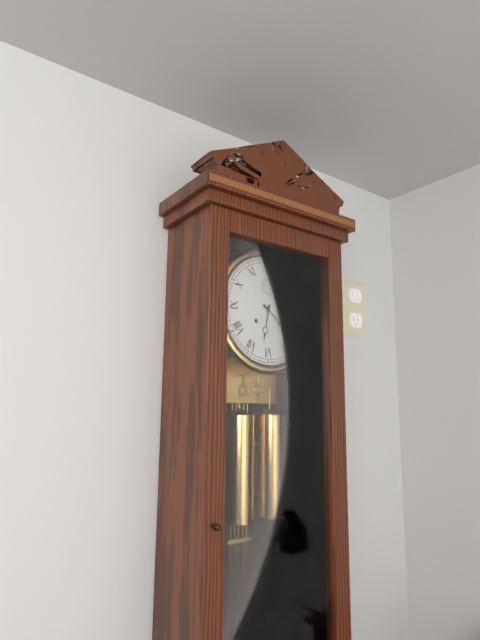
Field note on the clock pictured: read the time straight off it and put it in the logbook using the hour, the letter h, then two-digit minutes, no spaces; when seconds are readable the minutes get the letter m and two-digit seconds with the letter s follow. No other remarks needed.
6h21
